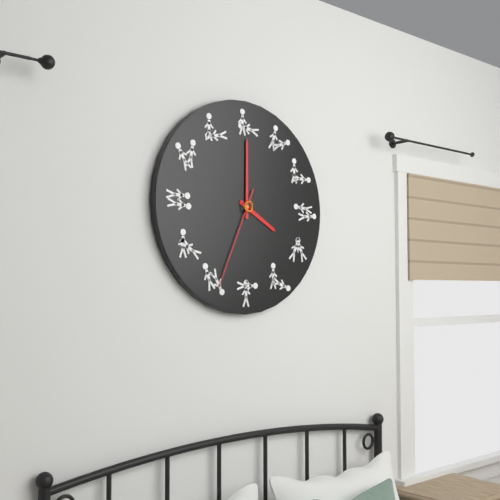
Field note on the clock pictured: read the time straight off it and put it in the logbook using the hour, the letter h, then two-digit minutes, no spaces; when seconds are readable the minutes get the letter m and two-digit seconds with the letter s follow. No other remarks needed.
4h00m34s
